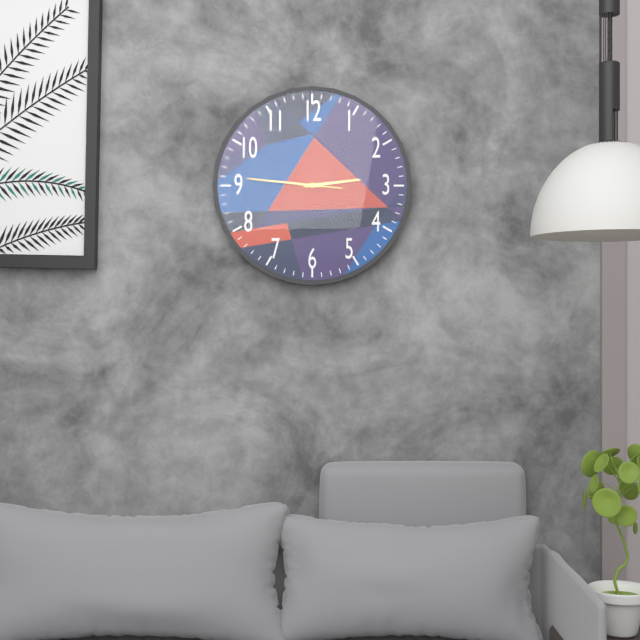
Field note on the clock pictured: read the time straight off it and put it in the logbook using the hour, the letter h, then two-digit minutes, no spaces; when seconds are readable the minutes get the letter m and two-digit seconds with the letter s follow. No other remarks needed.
2h46m46s
